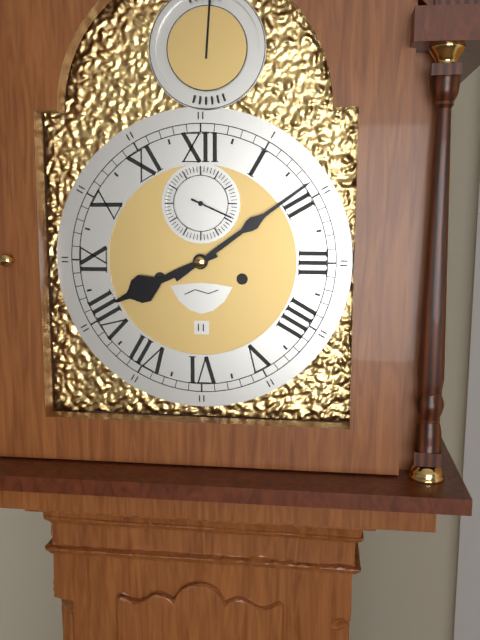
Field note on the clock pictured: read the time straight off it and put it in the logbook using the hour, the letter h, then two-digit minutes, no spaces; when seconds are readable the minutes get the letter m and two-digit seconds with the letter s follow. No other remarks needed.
8h09
